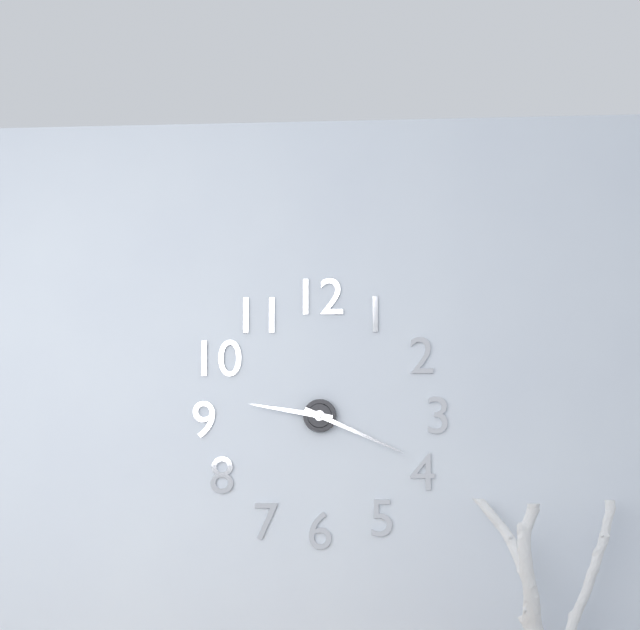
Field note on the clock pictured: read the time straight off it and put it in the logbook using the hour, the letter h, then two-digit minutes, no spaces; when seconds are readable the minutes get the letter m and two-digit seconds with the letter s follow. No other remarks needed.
9h19
